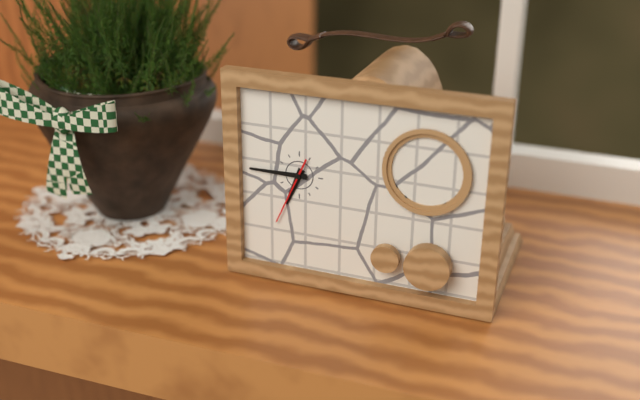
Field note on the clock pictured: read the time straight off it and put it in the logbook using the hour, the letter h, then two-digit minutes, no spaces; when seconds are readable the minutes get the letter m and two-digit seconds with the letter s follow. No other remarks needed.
6h45m34s
